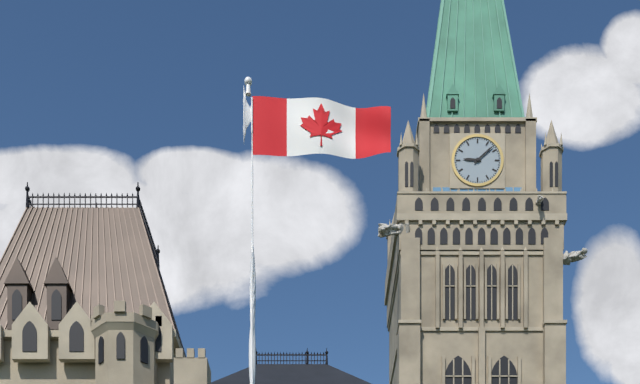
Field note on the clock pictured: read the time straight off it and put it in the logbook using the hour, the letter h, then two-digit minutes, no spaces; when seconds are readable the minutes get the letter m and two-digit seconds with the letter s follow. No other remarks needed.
9h08
